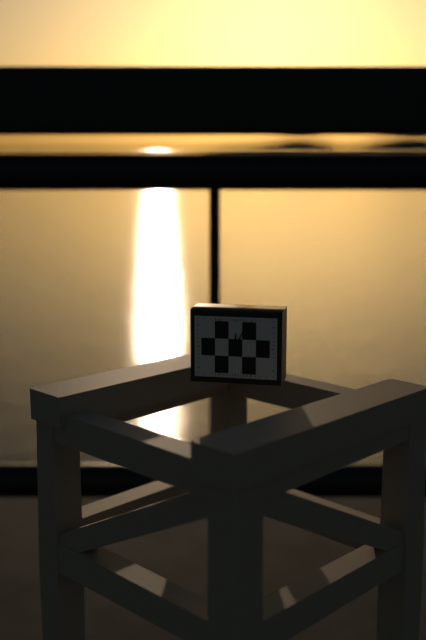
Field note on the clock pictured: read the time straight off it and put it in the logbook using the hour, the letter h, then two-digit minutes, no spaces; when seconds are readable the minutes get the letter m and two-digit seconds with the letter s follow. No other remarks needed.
12h04
